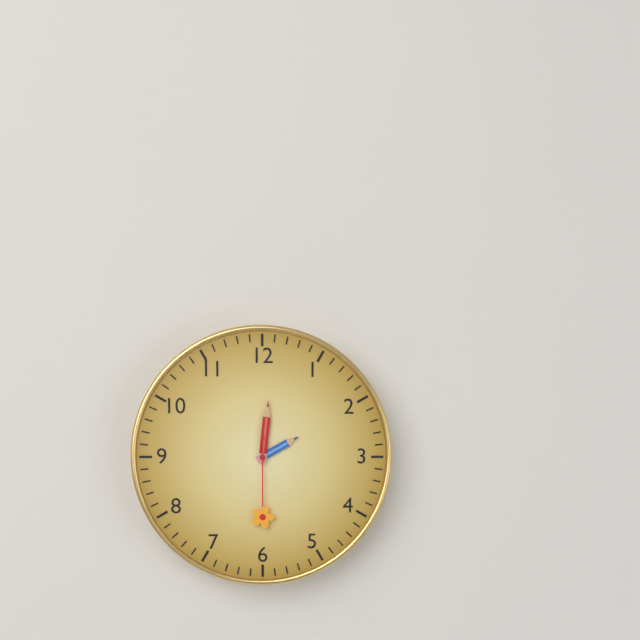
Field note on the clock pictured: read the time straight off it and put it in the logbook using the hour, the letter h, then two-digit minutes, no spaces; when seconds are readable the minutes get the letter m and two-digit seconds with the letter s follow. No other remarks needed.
2h01m30s
